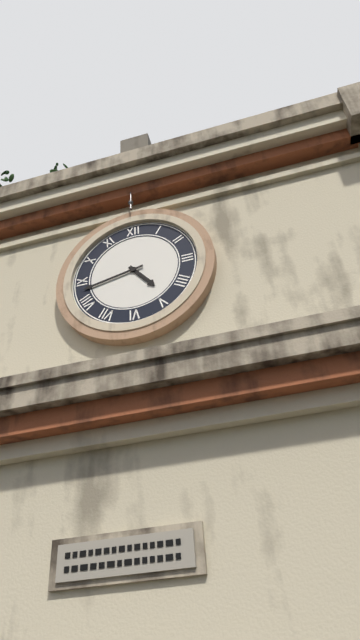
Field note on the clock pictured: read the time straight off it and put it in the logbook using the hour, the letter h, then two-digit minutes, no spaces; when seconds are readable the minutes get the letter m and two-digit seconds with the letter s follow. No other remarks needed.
4h43
